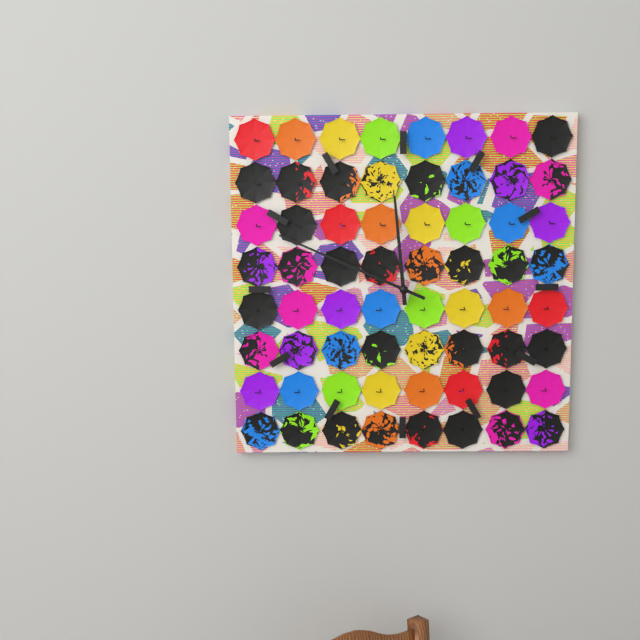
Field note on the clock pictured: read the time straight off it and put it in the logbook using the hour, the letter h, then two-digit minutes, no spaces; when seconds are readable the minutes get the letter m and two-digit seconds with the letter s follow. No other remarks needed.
11h49
